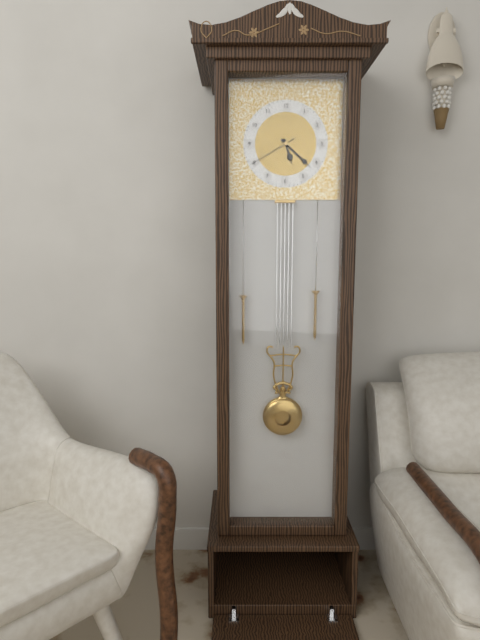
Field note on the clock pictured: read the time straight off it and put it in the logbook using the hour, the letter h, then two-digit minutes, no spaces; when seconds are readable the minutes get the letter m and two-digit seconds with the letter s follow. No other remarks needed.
5h22
